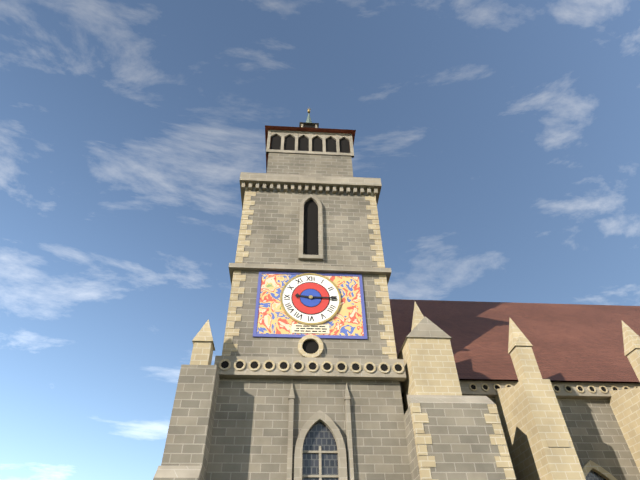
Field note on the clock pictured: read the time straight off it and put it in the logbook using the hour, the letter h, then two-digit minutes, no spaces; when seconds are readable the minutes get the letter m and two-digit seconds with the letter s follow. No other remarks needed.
9h15
